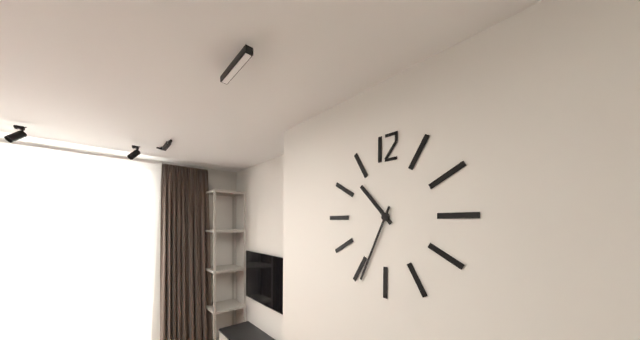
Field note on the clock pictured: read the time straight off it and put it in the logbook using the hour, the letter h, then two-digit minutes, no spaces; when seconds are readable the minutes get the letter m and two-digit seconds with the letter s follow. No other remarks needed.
10h34
